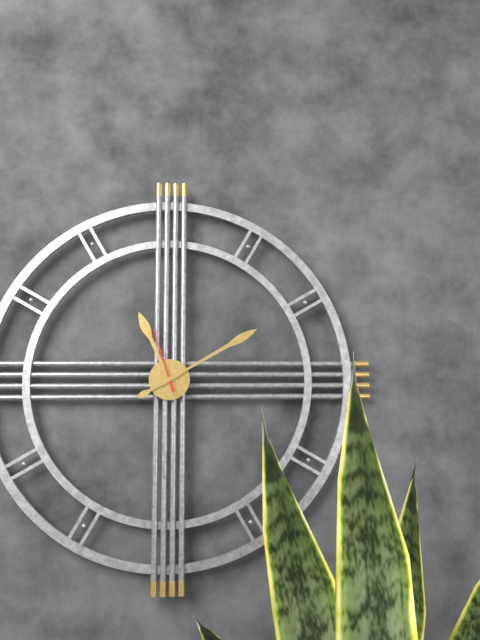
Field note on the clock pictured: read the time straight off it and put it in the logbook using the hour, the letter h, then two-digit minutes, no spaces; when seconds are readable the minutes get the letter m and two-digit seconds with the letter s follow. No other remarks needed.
11h10m57s
